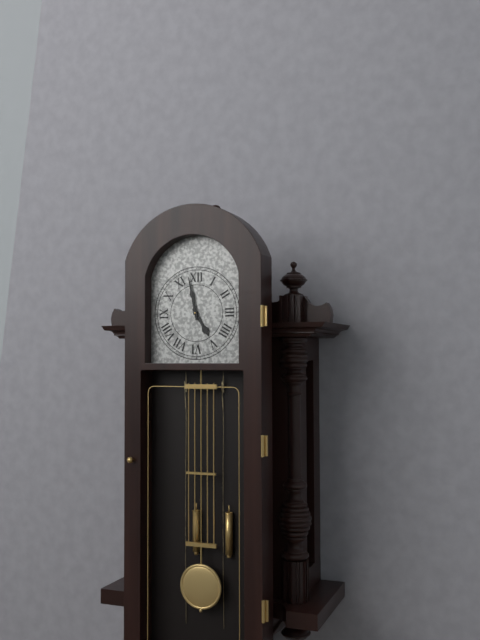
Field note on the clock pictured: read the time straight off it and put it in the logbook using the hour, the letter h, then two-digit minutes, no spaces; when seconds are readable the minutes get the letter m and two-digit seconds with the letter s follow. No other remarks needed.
4h58
